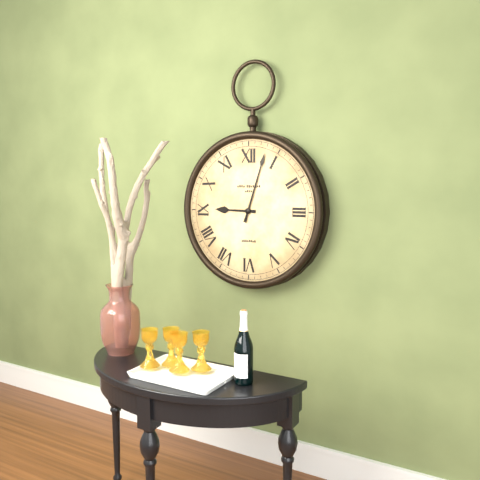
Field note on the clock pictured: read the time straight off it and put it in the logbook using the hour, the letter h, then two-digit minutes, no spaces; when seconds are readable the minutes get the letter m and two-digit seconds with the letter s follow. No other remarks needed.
9h03
